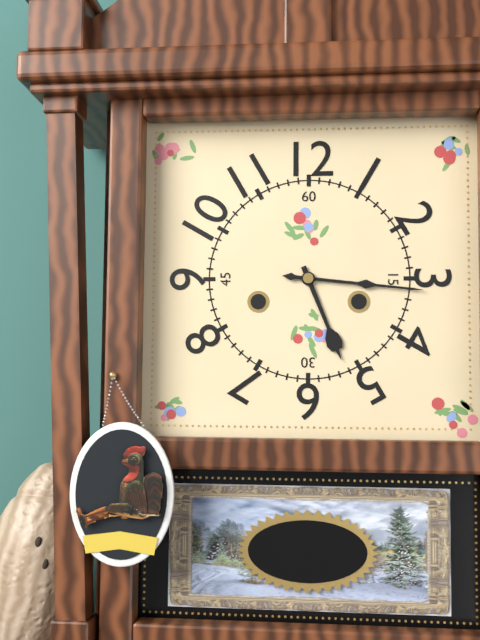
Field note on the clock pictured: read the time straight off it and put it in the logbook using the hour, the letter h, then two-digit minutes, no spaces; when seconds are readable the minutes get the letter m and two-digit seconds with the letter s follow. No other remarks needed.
5h16
